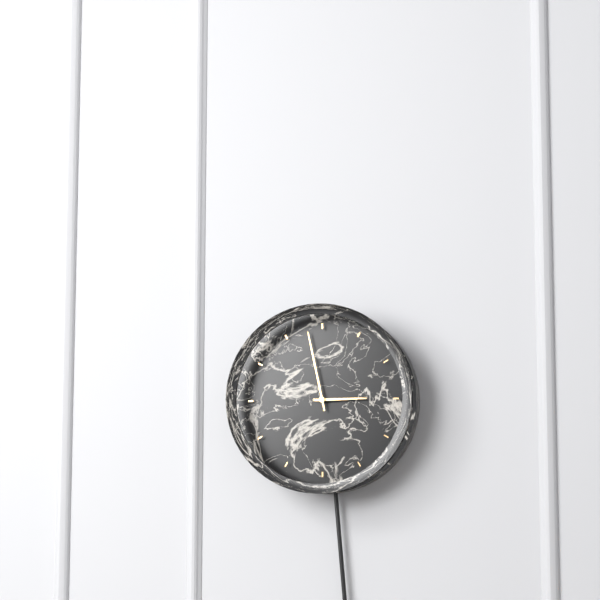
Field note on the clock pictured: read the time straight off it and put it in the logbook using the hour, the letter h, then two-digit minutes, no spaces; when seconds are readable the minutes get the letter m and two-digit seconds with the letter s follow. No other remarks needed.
2h58
